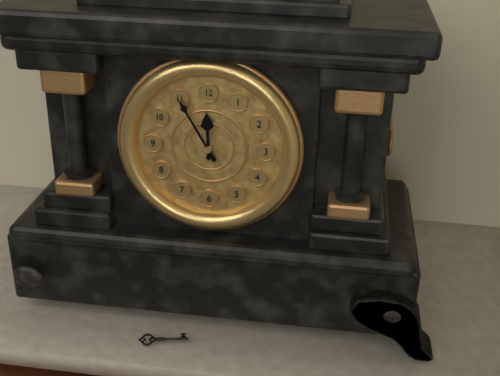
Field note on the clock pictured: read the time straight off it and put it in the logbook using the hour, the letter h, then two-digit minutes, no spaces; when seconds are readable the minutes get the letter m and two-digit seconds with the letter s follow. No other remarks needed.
11h55
